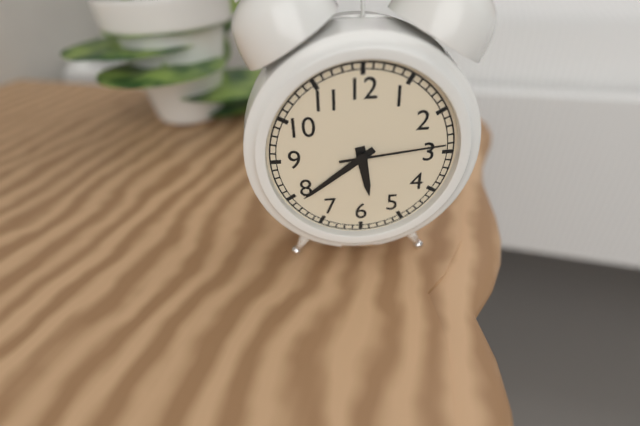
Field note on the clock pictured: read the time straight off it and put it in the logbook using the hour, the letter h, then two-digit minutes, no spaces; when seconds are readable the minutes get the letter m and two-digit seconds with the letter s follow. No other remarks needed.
5h39m14s
